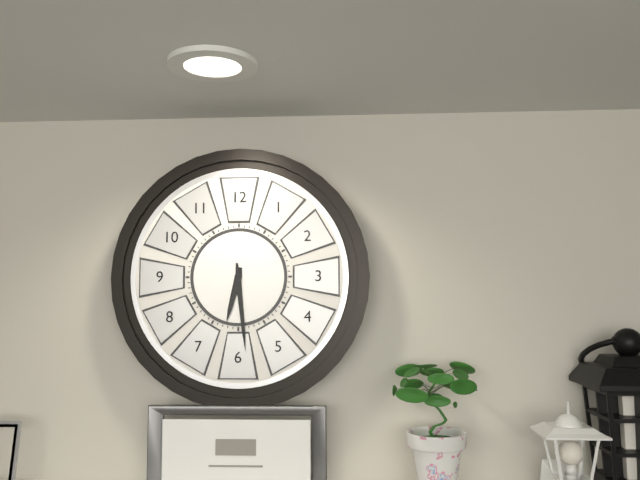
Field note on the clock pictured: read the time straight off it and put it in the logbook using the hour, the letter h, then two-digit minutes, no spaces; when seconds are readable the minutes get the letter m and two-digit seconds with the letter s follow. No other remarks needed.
6h29
